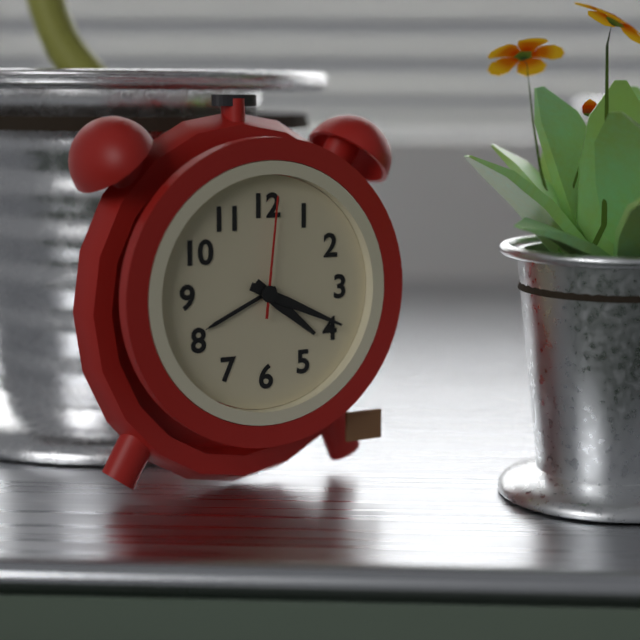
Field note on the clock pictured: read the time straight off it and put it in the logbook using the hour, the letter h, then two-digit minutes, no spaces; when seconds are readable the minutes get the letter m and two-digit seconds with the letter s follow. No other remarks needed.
4h19m01s
